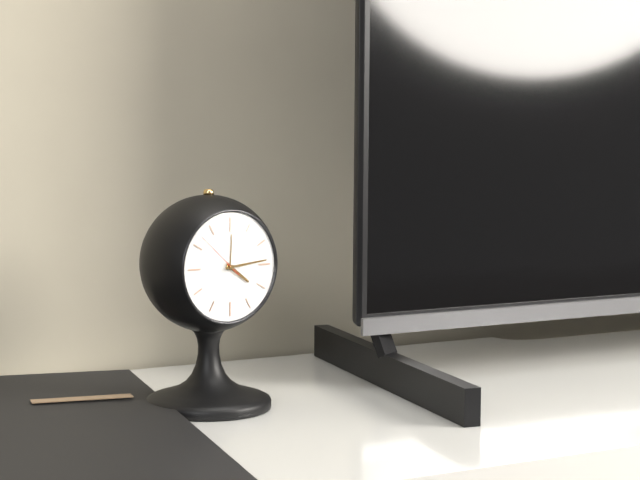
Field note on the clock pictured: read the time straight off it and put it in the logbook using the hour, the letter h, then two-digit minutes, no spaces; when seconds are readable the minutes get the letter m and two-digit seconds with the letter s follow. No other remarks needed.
4h14m52s
